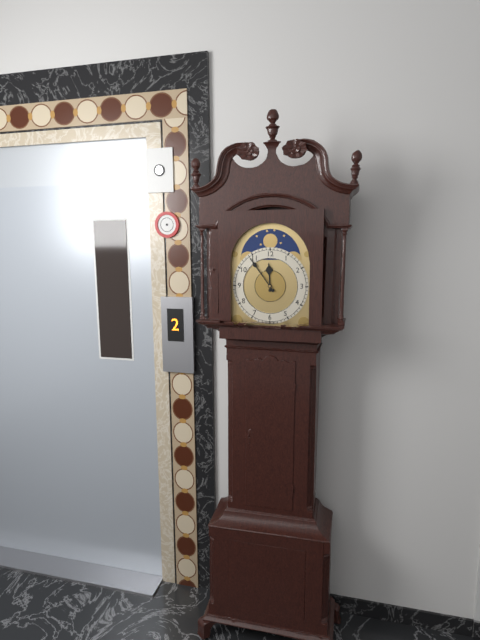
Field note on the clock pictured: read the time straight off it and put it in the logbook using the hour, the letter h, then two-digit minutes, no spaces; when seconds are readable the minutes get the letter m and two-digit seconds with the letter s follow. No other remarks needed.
11h54
